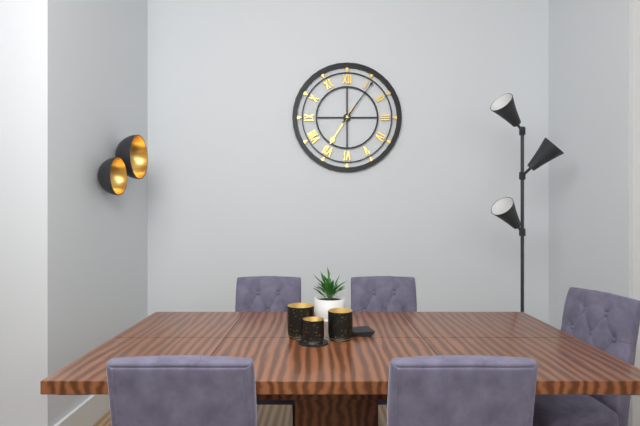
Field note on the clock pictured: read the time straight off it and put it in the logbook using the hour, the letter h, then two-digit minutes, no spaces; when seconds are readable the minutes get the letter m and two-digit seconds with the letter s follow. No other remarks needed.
7h06
